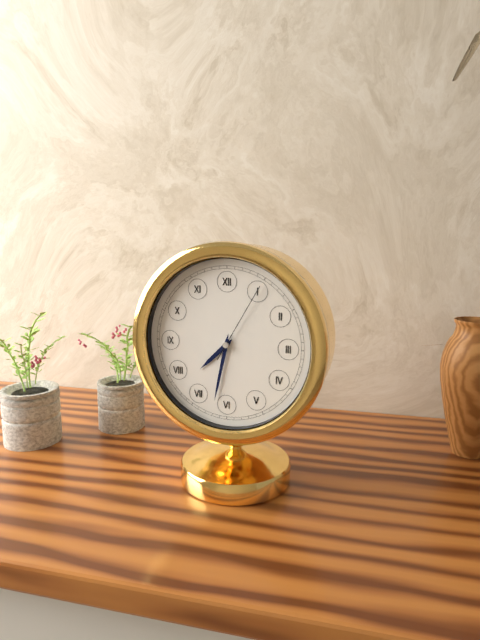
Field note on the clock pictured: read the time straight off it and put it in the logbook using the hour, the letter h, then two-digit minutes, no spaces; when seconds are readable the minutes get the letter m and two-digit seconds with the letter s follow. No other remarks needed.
7h32m05s
